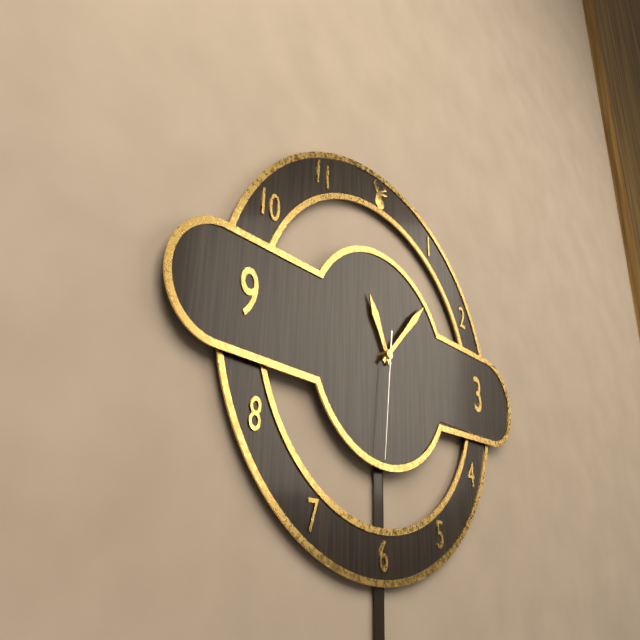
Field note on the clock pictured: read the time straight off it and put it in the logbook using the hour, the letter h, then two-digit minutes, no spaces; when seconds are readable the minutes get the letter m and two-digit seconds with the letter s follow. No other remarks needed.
11h07m31s
